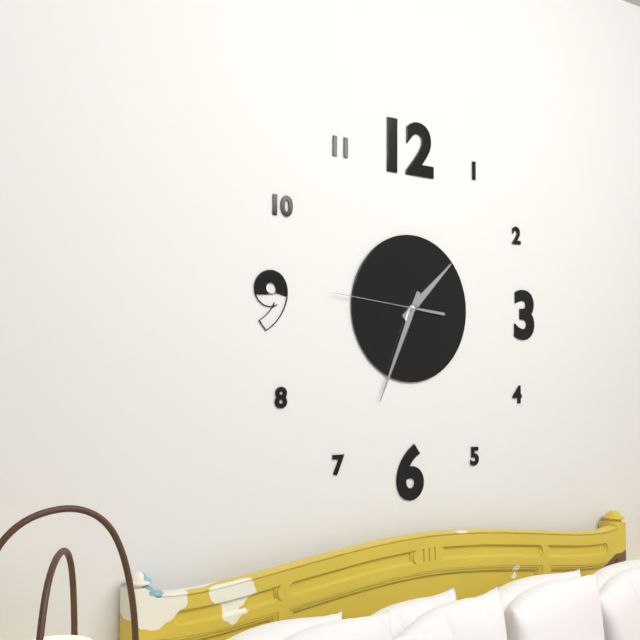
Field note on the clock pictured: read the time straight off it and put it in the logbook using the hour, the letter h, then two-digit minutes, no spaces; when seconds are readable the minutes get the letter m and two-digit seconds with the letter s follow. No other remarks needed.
1h34m46s
